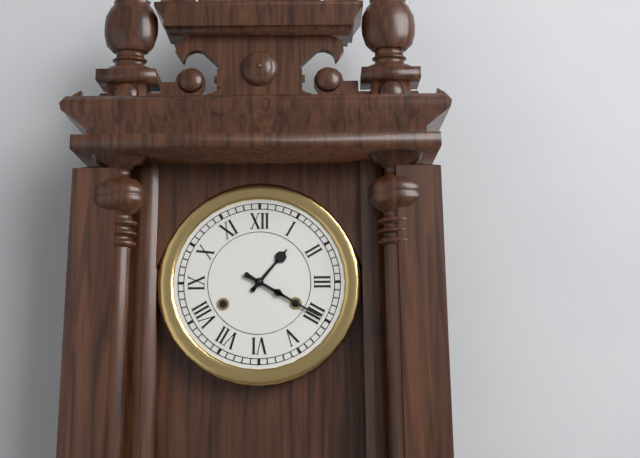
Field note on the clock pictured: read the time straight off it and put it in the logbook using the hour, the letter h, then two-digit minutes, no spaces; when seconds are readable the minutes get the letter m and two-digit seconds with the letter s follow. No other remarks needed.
1h20
